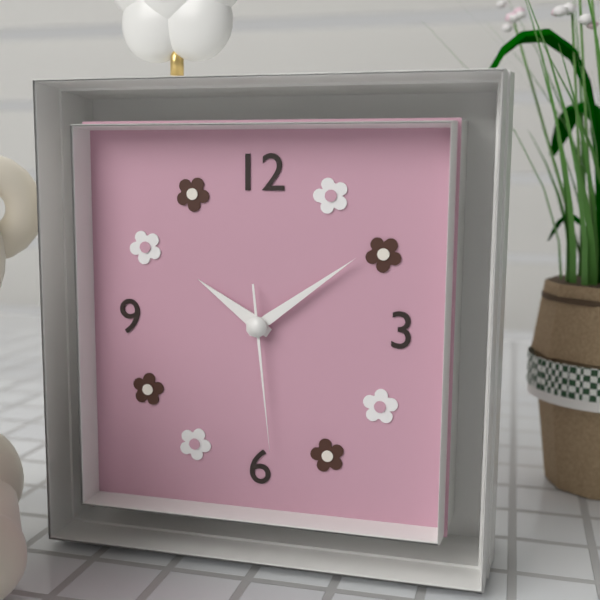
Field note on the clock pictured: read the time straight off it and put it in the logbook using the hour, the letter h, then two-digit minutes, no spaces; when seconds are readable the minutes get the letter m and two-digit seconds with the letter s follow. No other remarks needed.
10h09m29s
